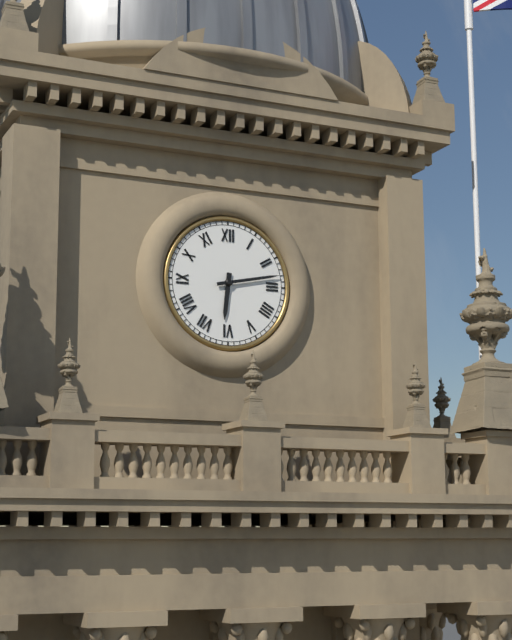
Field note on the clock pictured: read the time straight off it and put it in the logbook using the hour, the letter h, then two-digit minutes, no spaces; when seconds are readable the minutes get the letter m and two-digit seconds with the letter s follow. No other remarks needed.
6h13
